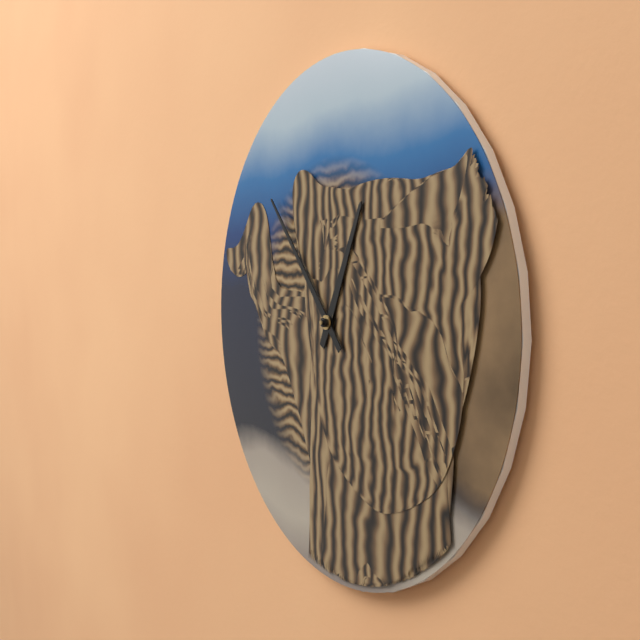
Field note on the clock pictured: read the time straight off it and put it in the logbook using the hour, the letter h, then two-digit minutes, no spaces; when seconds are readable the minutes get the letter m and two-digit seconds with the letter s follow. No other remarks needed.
12h53
